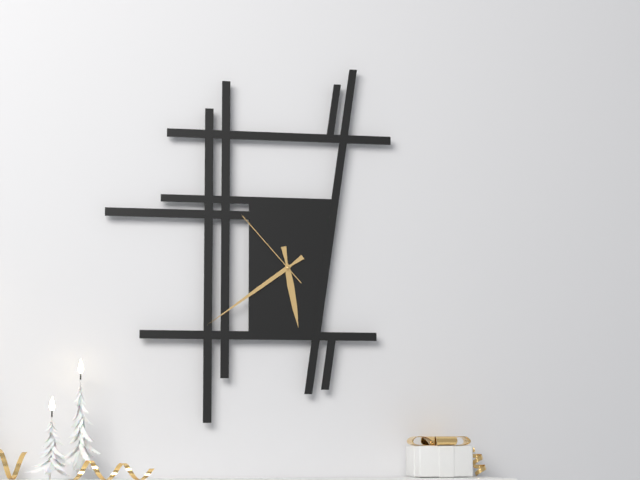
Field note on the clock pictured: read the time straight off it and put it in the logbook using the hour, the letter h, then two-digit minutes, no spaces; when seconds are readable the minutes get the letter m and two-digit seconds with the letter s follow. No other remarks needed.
5h39m53s
